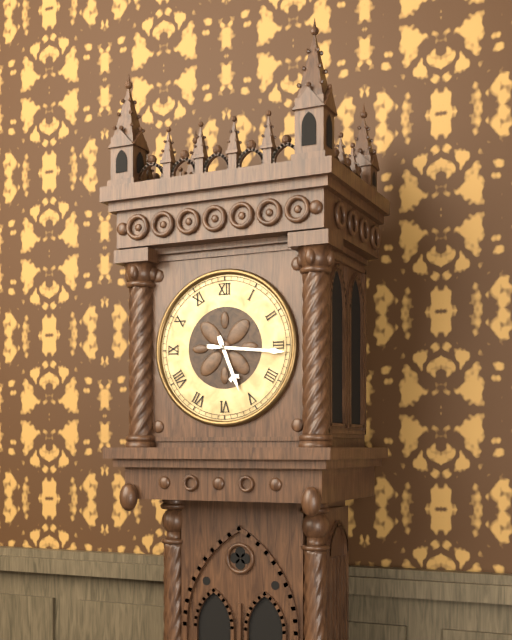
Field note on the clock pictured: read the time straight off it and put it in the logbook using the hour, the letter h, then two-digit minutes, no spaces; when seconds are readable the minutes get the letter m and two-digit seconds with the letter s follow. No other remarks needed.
5h16
